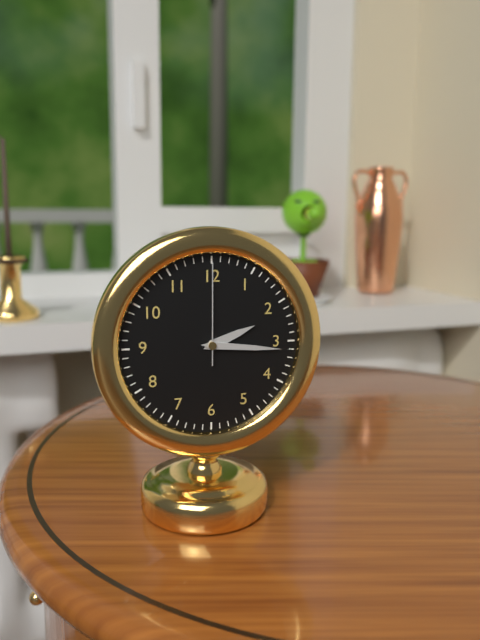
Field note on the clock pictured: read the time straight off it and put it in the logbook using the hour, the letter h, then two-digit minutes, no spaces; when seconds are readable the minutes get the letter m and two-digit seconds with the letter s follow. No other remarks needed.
2h16m00s
